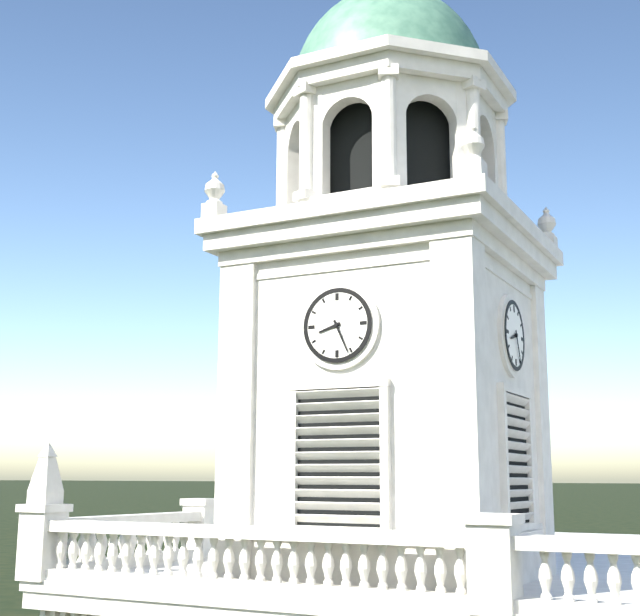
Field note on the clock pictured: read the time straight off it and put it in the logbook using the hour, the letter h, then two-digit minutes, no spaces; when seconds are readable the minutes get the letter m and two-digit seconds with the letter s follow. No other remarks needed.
8h26
